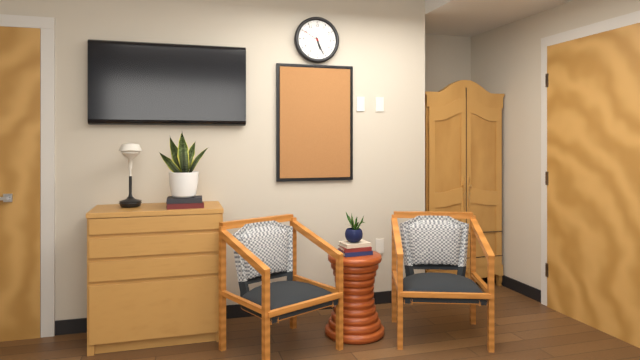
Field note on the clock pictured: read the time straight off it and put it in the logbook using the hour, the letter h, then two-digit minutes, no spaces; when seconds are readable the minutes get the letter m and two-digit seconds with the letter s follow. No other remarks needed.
5h26
